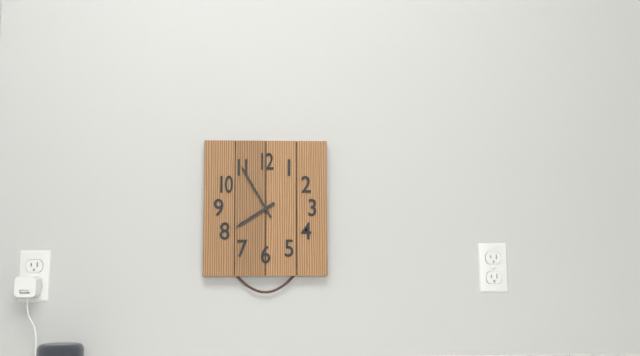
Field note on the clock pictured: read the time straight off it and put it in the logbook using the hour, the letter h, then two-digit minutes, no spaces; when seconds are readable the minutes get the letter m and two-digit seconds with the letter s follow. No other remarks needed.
7h55
